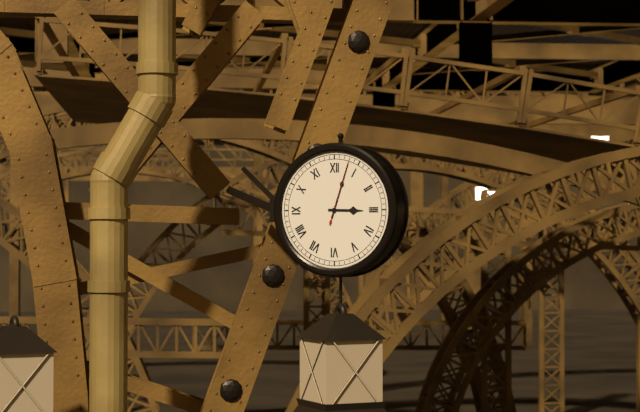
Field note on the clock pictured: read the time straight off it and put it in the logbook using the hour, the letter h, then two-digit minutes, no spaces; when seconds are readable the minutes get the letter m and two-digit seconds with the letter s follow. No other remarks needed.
3h03m03s
